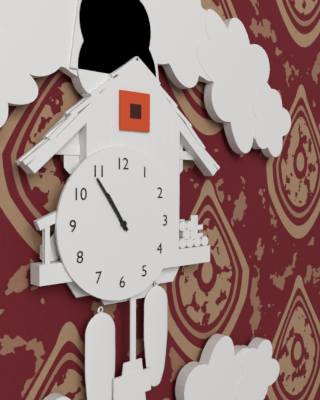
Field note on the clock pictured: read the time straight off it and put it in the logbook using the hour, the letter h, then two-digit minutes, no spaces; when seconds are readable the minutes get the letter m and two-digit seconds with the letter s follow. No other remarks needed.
10h54
